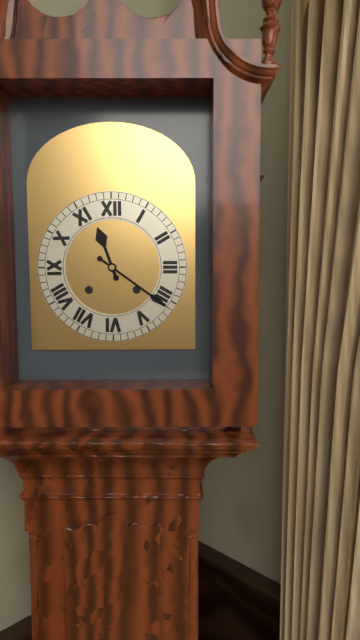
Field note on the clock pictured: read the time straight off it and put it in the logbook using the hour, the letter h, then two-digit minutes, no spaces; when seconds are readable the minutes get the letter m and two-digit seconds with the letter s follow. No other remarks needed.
11h21
